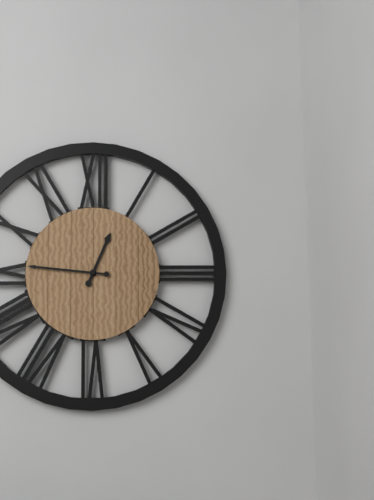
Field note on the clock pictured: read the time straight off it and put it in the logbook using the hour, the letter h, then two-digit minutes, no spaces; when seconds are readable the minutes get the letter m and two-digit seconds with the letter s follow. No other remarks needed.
12h46
